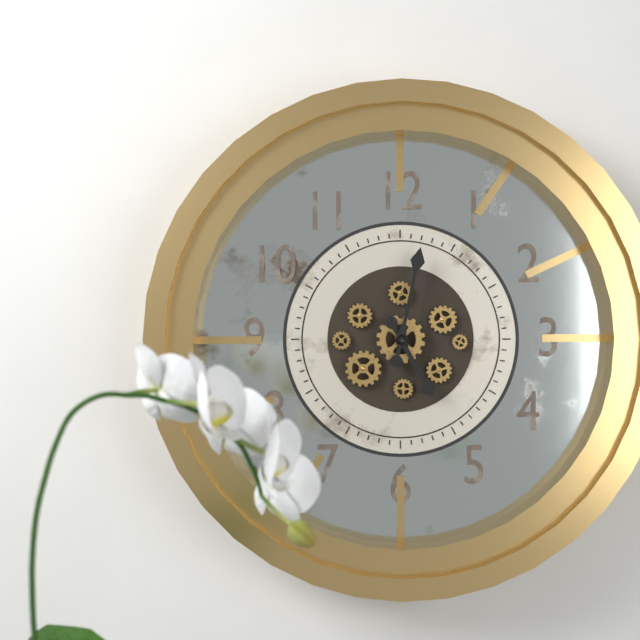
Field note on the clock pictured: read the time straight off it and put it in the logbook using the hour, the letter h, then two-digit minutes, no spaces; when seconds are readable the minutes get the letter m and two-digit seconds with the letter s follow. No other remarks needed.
5h02
